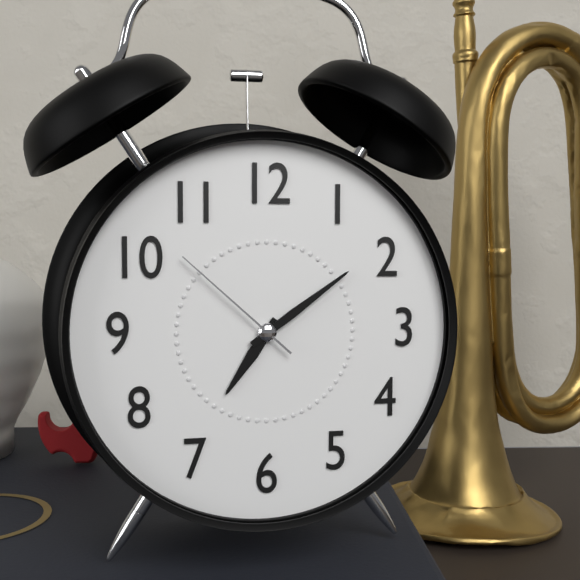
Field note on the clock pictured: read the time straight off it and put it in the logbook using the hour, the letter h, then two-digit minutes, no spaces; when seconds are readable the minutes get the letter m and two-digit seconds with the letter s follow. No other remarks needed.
7h09m52s
